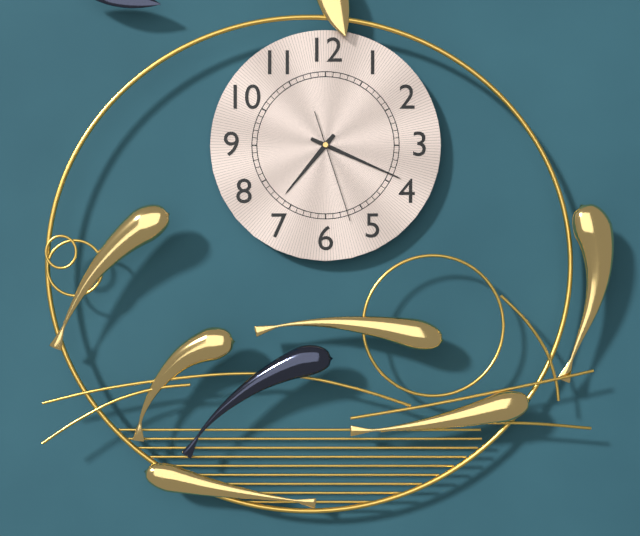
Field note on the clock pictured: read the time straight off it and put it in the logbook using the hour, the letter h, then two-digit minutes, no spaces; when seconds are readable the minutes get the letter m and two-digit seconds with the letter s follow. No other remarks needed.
7h19m27s
